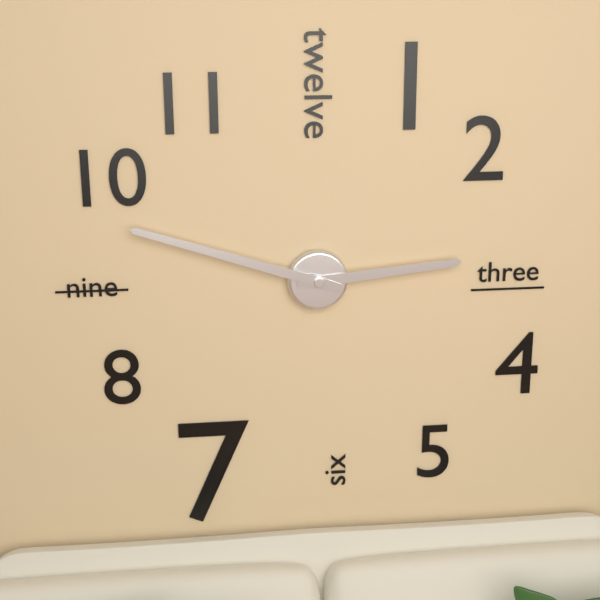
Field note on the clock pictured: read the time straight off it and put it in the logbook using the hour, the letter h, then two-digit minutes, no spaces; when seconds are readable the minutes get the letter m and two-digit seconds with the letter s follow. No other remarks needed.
2h48
